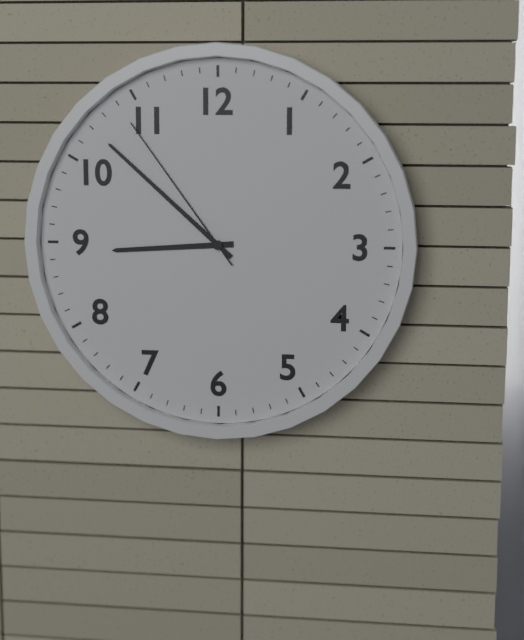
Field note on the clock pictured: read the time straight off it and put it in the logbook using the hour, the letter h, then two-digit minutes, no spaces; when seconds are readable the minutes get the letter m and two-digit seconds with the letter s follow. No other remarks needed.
8h52m54s
